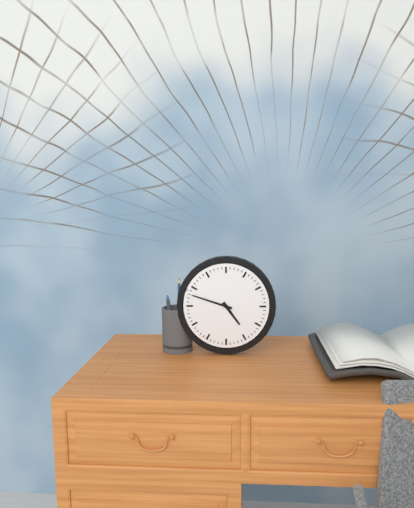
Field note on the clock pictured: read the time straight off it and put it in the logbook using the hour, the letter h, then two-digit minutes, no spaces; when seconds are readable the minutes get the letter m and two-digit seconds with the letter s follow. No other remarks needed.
4h48
